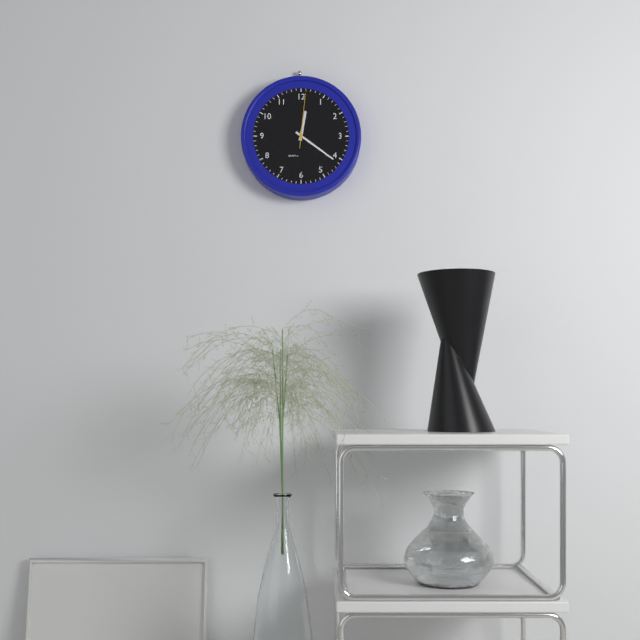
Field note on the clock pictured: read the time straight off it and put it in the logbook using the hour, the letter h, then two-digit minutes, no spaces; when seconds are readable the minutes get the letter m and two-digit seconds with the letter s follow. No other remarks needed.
12h21m01s
